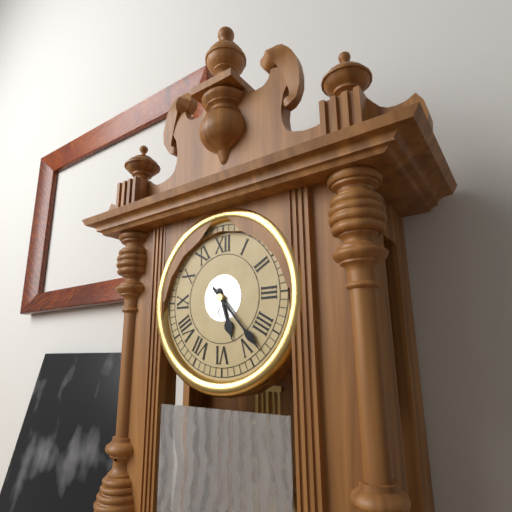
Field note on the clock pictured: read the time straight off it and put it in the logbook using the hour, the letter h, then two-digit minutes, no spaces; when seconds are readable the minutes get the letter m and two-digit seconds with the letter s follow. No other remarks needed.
5h23
